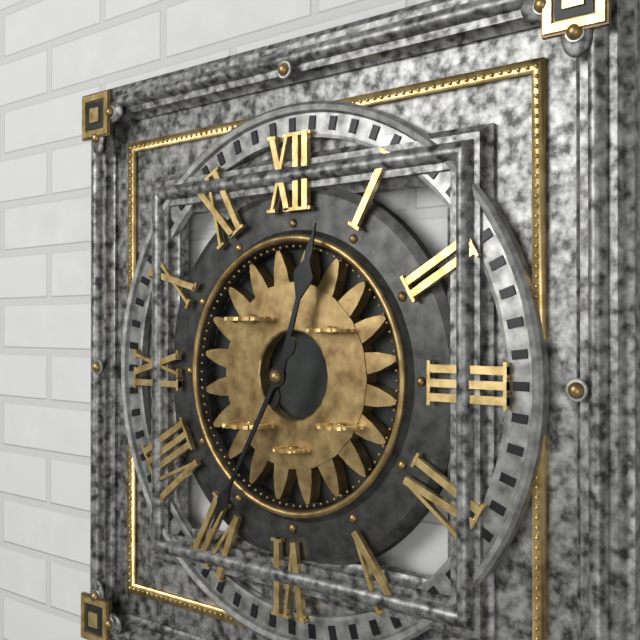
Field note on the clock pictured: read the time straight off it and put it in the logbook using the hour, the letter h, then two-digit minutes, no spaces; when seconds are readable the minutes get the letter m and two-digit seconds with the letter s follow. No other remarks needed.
12h35
